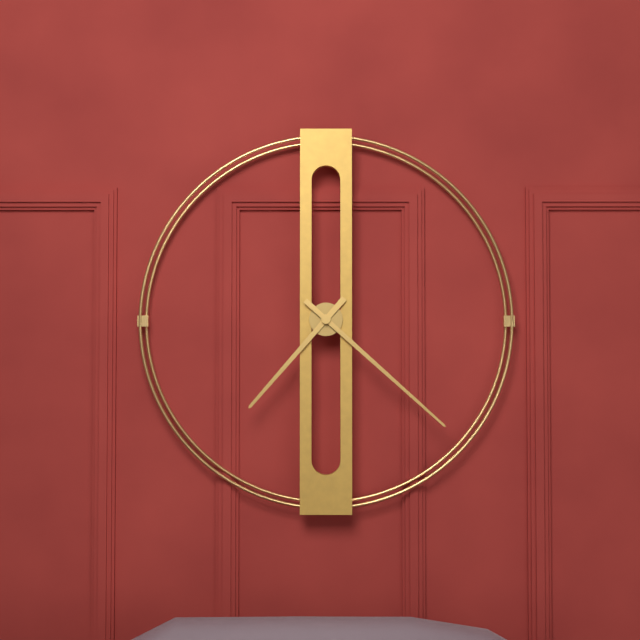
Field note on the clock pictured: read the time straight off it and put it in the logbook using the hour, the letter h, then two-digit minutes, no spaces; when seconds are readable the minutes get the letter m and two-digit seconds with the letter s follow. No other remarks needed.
7h22
